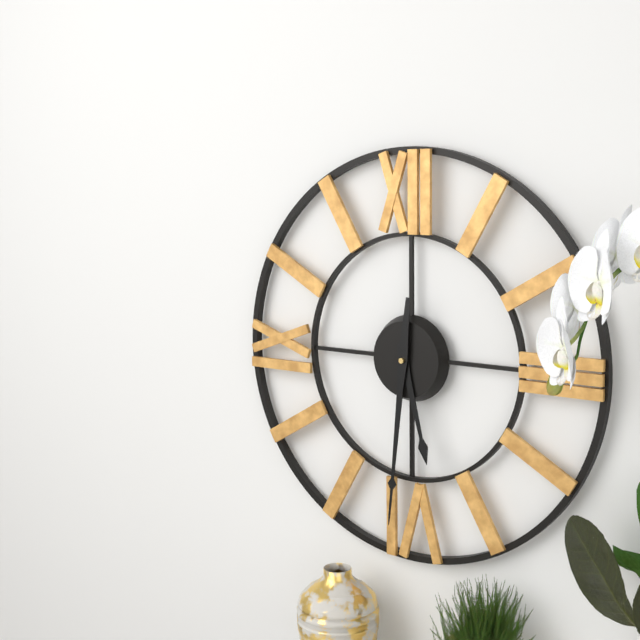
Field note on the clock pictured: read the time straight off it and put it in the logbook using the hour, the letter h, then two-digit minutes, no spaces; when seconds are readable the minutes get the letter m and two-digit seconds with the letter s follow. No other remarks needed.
5h31
